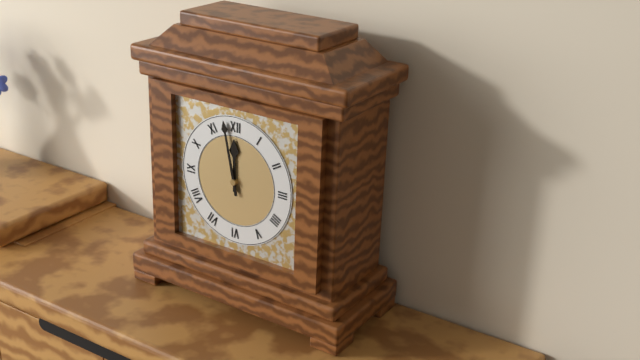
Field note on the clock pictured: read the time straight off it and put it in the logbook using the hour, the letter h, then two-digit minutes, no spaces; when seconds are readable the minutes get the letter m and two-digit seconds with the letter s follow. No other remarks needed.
11h58
